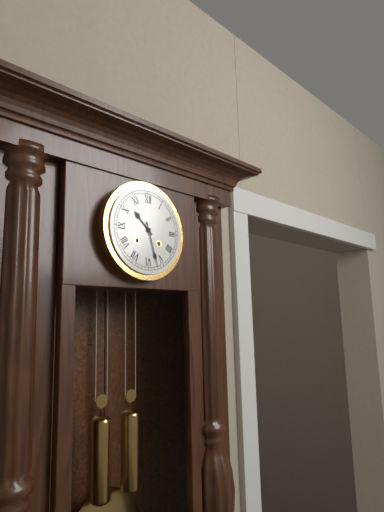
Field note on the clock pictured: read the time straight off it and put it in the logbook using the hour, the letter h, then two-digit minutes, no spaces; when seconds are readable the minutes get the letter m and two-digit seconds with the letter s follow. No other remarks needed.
10h27
